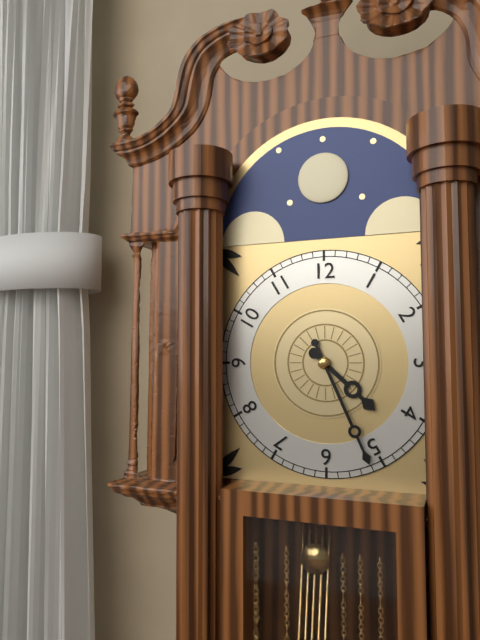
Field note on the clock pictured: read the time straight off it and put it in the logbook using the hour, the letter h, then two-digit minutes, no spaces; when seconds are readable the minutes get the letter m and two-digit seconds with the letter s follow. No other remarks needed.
4h26
